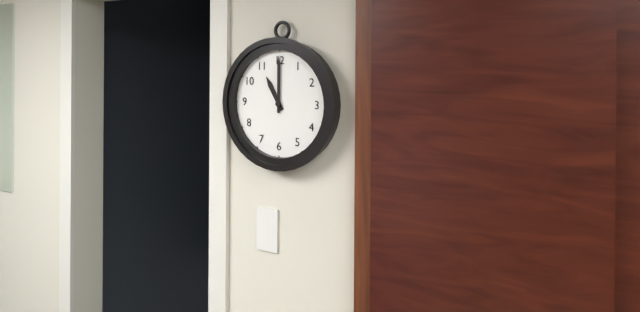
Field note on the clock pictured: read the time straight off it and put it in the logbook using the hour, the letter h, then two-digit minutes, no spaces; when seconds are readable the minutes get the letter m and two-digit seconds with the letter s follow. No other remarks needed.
11h00
